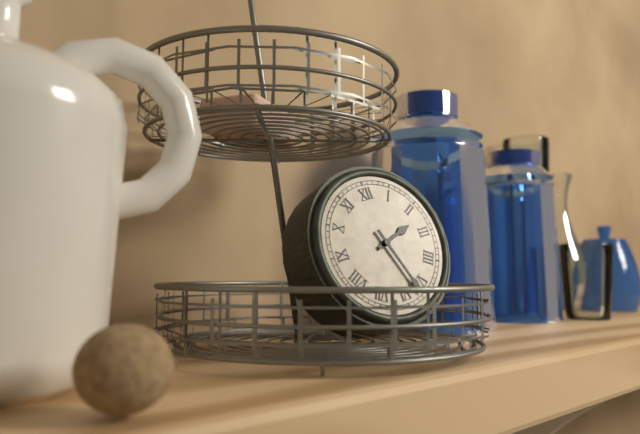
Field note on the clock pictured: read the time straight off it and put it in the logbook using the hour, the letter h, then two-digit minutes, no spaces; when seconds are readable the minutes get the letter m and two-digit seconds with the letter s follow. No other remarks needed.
2h27
